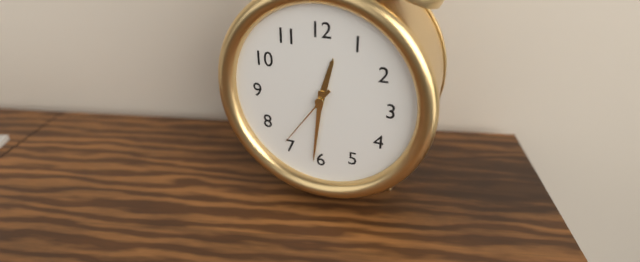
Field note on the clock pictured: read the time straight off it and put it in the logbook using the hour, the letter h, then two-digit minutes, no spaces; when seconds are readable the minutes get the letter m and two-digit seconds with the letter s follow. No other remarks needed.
12h31m36s
